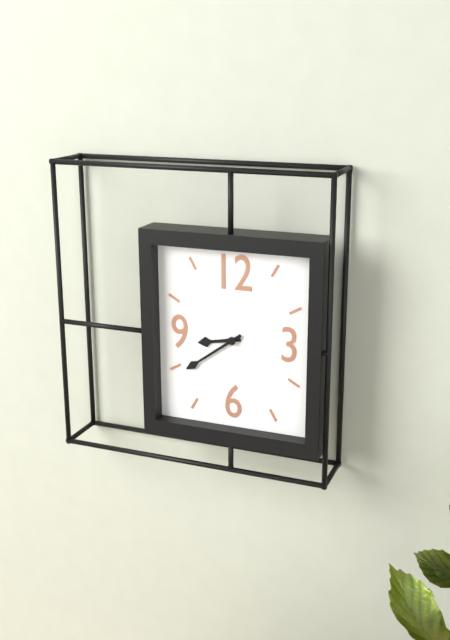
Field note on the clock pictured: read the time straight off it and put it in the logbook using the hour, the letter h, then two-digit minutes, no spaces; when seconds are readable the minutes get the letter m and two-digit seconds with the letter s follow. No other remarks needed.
8h39
